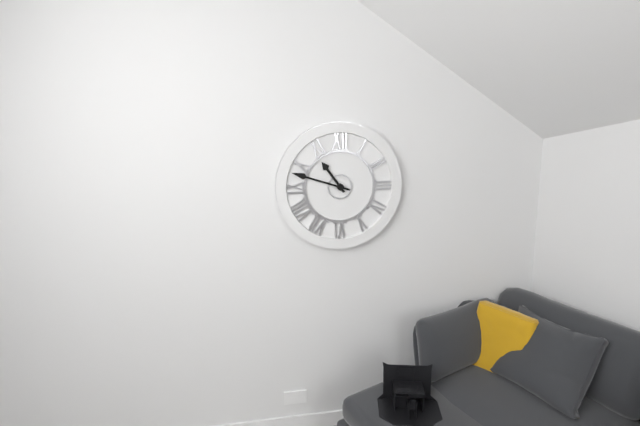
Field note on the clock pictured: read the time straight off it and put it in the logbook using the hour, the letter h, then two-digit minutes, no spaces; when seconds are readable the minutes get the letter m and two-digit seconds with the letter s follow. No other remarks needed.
10h48
